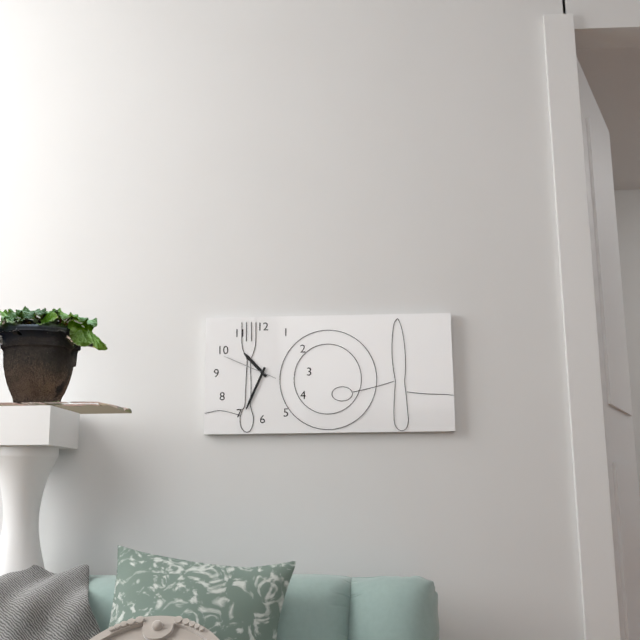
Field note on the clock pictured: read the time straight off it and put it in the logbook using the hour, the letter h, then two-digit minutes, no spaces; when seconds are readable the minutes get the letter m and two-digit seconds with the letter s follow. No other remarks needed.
10h34m49s
